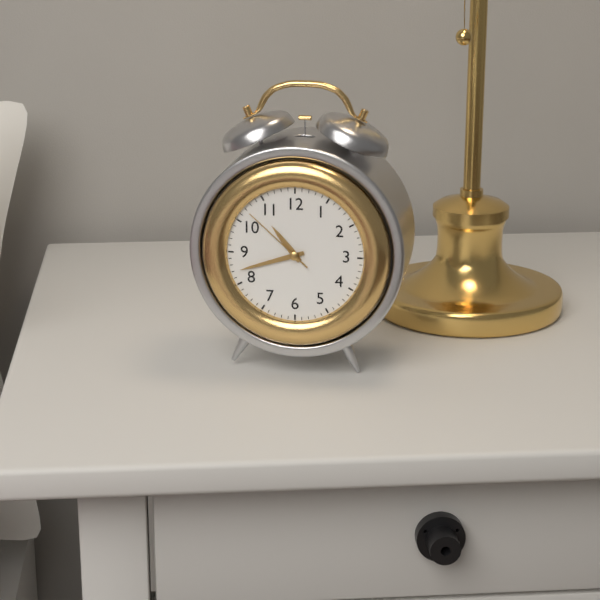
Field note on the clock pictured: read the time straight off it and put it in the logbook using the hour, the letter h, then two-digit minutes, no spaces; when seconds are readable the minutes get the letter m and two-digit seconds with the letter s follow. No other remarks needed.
10h42m52s
